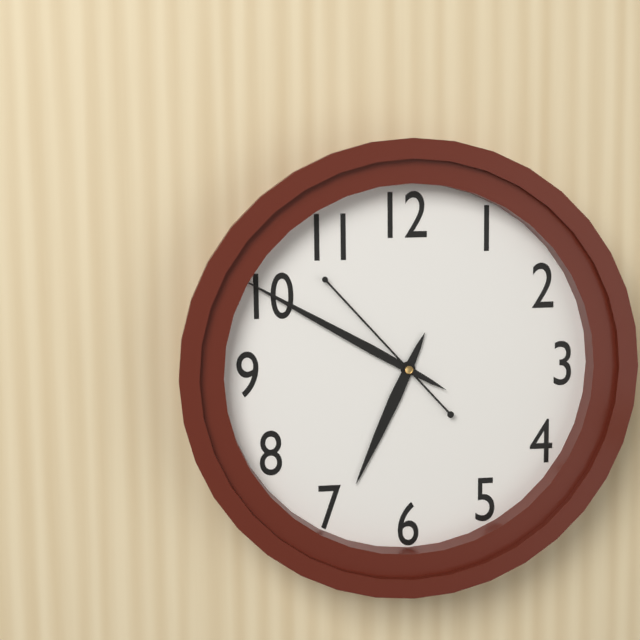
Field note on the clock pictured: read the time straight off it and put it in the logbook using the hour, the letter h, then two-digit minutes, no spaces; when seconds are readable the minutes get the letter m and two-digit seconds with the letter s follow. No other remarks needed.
6h50m53s
